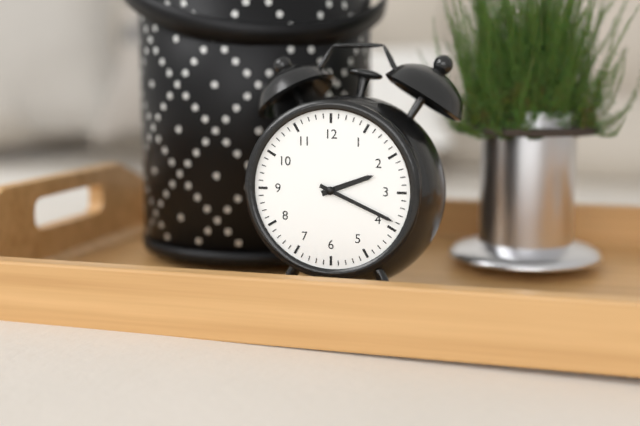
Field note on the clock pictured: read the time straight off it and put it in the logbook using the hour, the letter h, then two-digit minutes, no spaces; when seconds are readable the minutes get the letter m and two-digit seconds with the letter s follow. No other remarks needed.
2h19
